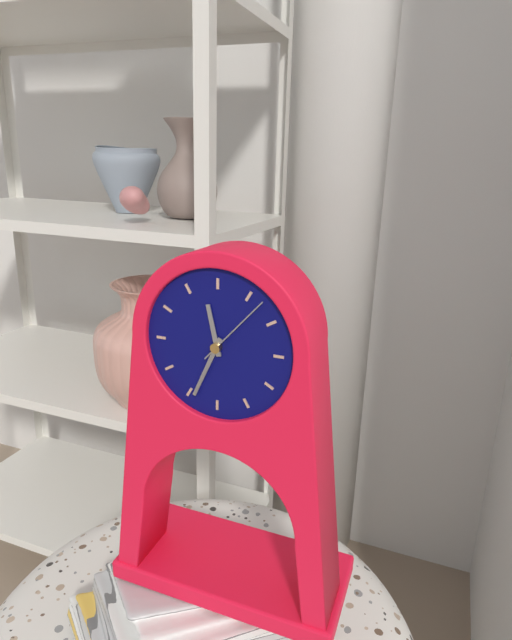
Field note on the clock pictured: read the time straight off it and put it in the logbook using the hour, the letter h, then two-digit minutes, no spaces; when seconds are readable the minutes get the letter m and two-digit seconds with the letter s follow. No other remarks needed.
11h34m07s
